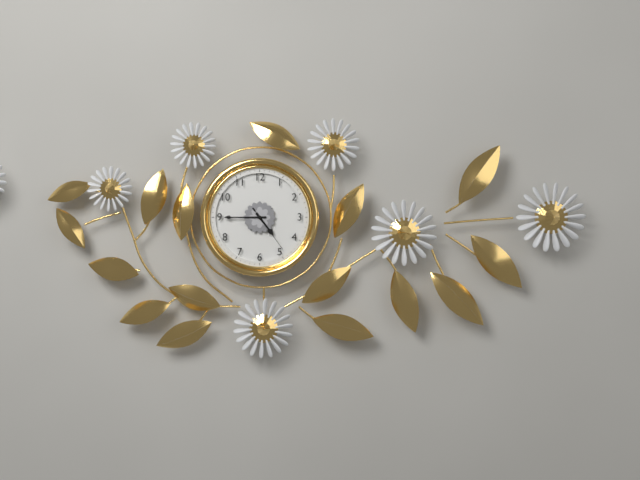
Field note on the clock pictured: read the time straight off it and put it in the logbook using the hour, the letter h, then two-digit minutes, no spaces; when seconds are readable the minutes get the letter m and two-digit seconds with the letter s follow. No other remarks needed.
4h45m24s
